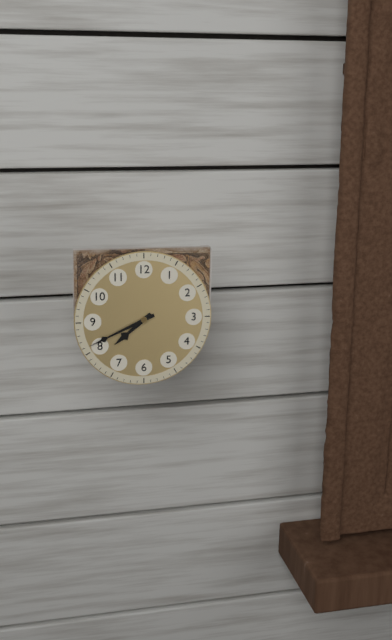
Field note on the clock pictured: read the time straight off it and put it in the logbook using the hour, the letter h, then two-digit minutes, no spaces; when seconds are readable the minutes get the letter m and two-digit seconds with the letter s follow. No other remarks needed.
7h41
